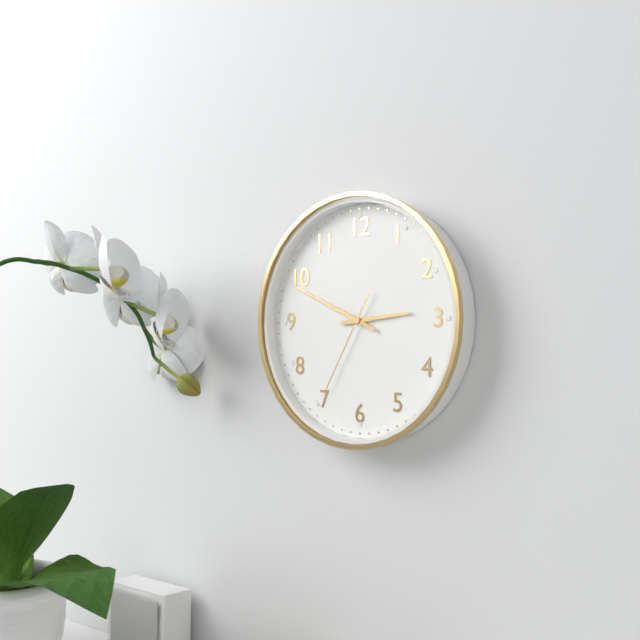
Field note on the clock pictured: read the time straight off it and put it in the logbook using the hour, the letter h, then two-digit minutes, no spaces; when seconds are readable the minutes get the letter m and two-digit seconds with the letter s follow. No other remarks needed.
2h49m35s
